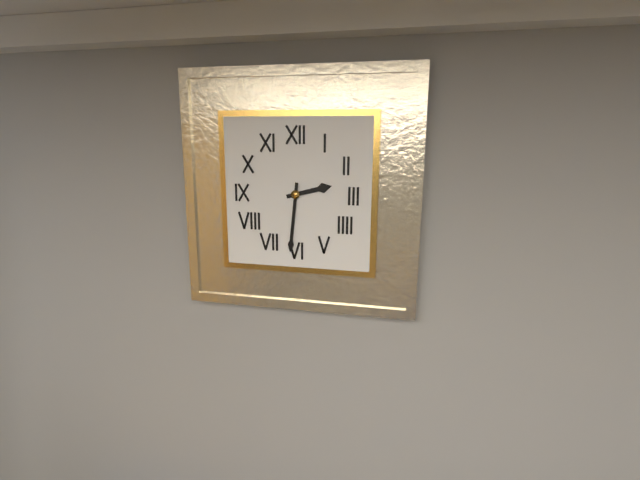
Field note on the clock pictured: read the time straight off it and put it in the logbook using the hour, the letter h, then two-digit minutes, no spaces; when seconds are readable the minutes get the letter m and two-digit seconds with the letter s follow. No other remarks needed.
2h31
